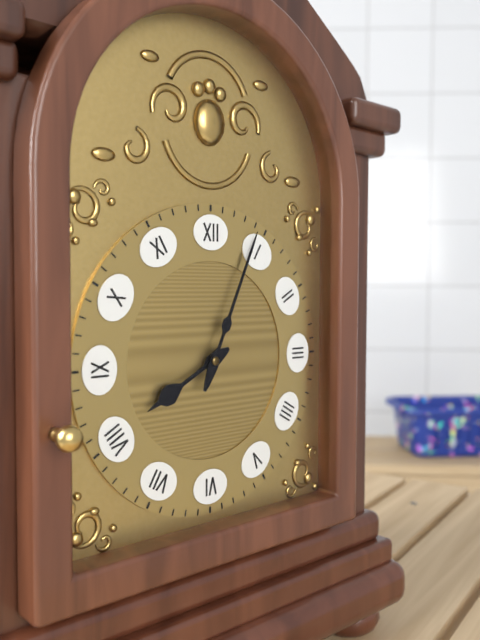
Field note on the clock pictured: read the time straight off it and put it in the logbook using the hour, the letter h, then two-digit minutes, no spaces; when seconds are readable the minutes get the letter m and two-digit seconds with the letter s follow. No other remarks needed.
8h04
